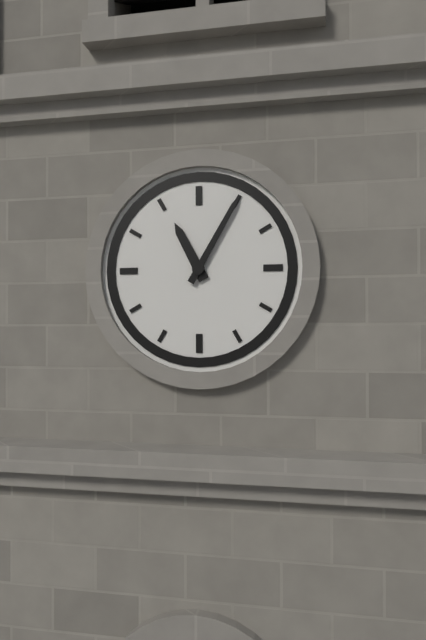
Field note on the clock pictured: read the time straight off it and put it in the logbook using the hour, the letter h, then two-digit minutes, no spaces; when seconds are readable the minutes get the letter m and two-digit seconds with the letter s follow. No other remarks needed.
11h05
